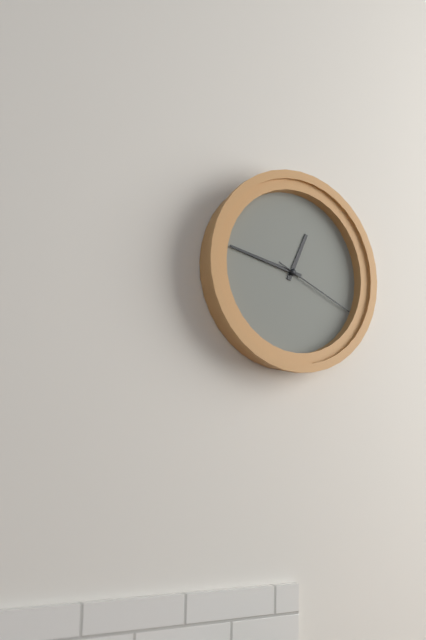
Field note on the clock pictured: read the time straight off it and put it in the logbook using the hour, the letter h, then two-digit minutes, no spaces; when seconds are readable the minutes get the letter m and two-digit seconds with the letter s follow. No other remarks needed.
12h47m19s
